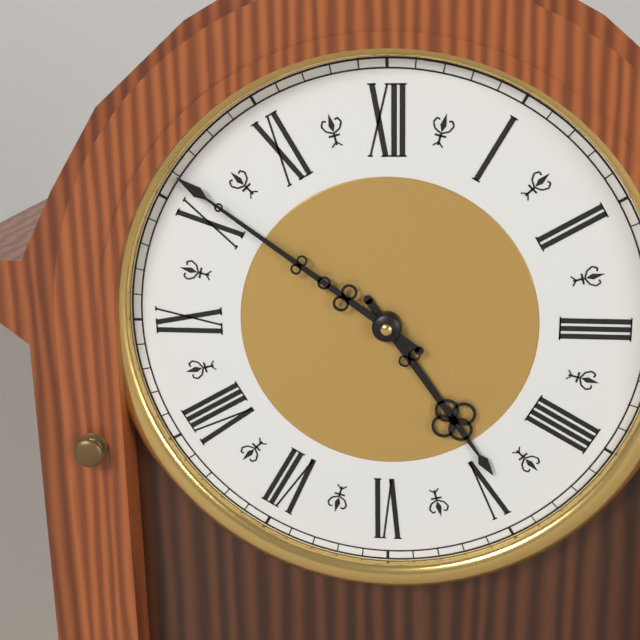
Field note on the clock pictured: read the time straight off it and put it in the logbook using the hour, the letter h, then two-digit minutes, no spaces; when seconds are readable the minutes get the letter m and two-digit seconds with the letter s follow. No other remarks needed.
4h51
